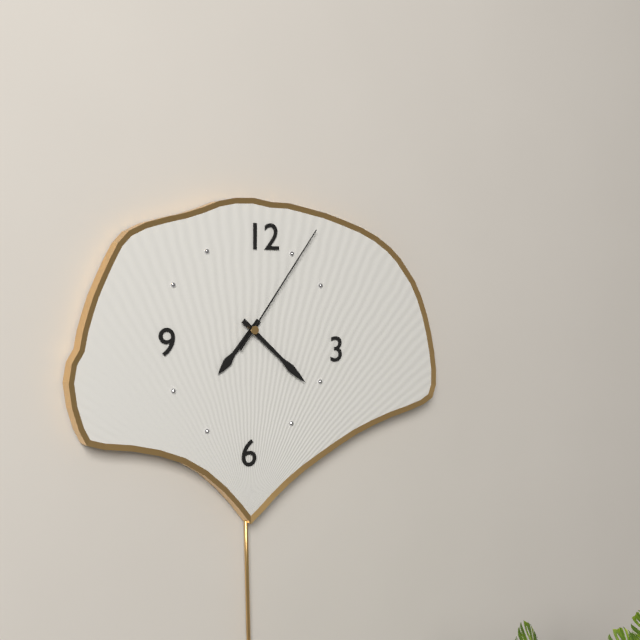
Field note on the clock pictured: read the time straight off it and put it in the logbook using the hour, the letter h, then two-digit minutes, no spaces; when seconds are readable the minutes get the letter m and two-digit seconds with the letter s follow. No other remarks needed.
7h22m06s
